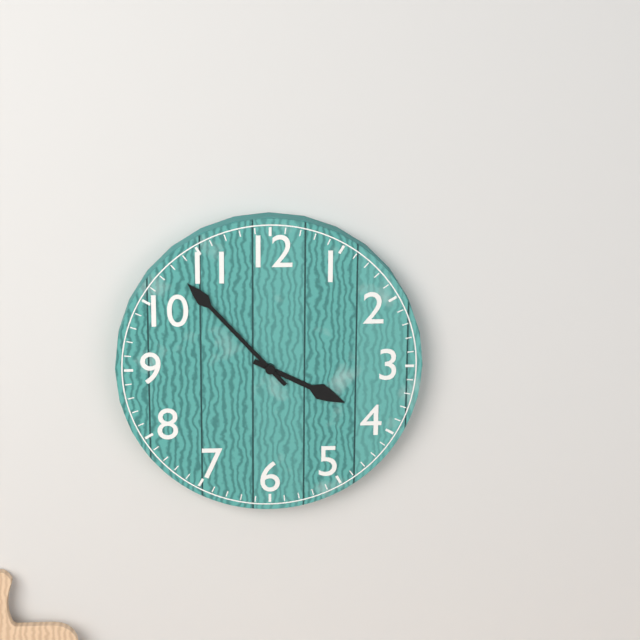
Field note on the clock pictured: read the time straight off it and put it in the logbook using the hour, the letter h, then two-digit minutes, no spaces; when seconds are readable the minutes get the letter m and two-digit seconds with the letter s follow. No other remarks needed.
3h53
